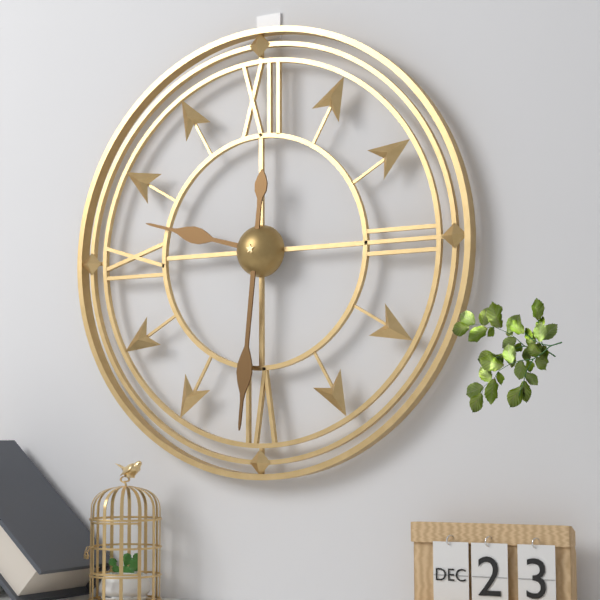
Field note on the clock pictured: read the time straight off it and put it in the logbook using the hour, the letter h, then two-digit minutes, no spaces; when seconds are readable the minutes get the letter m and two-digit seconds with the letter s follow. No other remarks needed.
9h31
